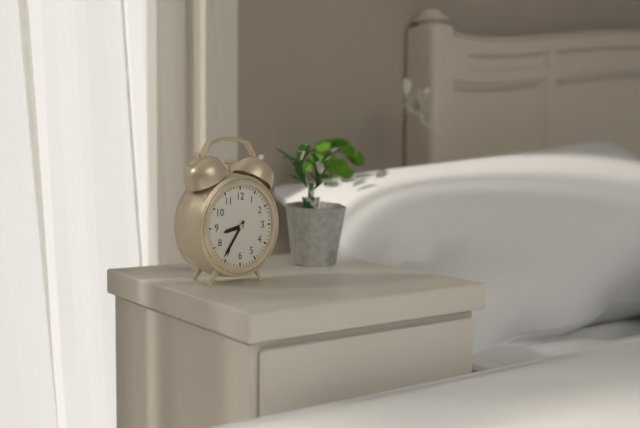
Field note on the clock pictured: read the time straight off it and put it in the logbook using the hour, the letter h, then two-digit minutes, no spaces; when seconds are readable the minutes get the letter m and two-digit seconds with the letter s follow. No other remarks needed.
8h36
